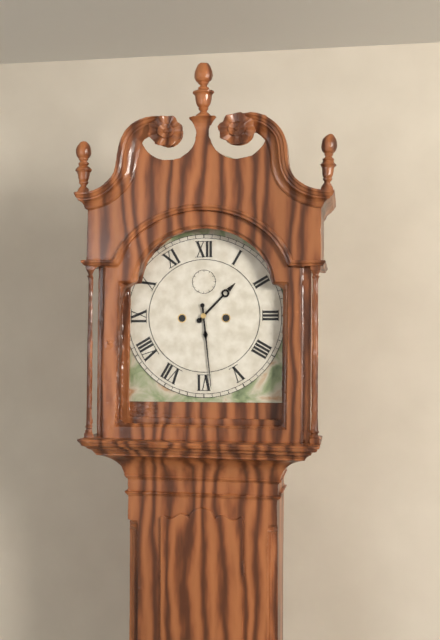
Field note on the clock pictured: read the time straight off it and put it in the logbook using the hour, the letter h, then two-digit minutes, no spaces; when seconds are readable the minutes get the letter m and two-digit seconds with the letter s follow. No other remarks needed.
1h29
